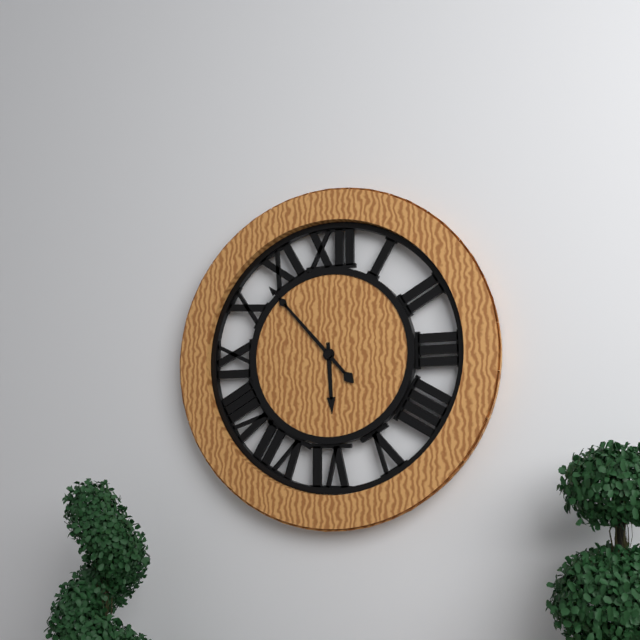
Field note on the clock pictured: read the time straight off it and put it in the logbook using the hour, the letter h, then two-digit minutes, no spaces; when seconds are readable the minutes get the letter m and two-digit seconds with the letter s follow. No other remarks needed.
5h53
